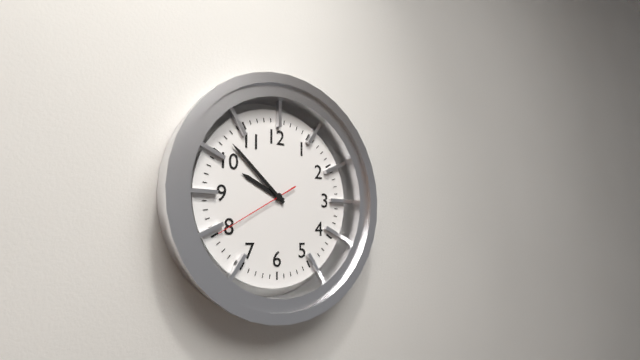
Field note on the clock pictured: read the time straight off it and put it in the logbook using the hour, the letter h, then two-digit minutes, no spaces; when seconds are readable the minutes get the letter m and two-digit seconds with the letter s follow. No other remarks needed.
9h52m40s
